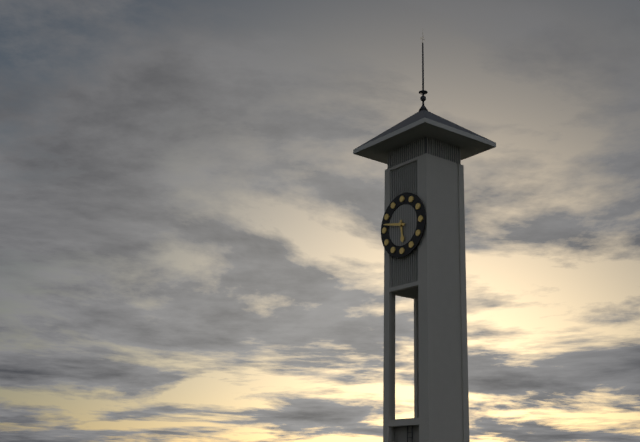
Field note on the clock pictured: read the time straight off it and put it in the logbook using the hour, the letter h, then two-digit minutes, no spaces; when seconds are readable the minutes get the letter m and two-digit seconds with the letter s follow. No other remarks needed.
5h47
